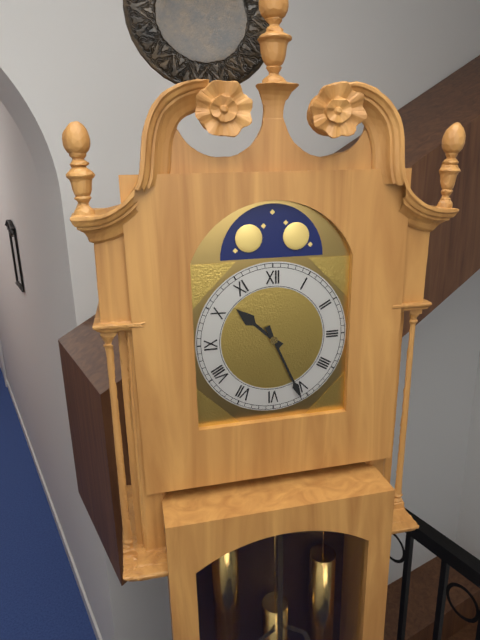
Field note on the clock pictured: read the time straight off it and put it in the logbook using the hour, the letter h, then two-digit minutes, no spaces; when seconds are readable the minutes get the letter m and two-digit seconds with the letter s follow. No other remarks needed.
10h26
